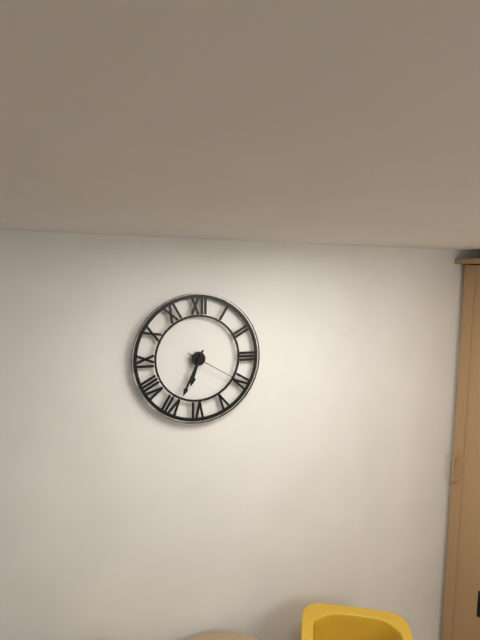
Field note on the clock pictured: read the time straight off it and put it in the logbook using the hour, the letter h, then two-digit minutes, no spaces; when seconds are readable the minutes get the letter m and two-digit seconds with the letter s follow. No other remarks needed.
6h34m20s
